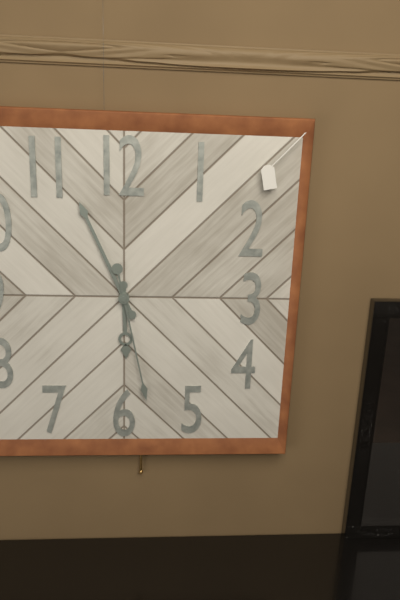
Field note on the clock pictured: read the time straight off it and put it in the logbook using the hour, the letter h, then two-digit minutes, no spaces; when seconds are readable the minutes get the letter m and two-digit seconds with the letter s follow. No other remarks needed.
5h56m28s
